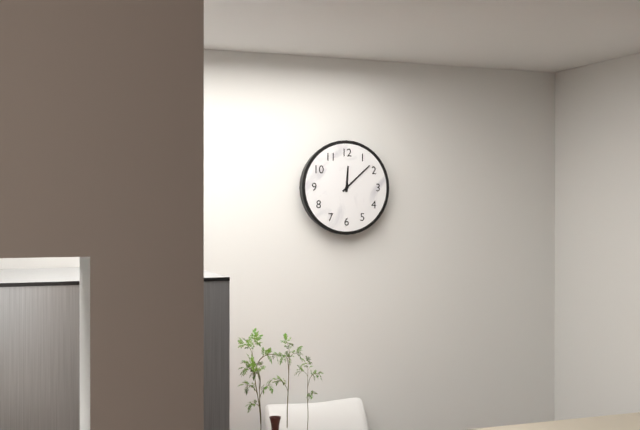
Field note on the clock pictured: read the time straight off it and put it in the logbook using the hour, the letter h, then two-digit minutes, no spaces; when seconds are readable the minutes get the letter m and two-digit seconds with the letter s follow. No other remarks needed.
12h08
